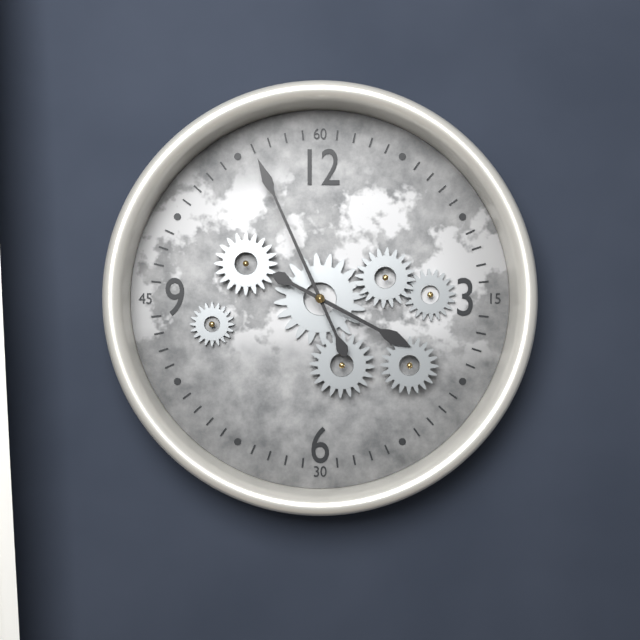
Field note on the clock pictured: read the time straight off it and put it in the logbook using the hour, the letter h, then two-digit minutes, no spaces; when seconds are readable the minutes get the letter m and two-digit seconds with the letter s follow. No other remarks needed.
3h56
